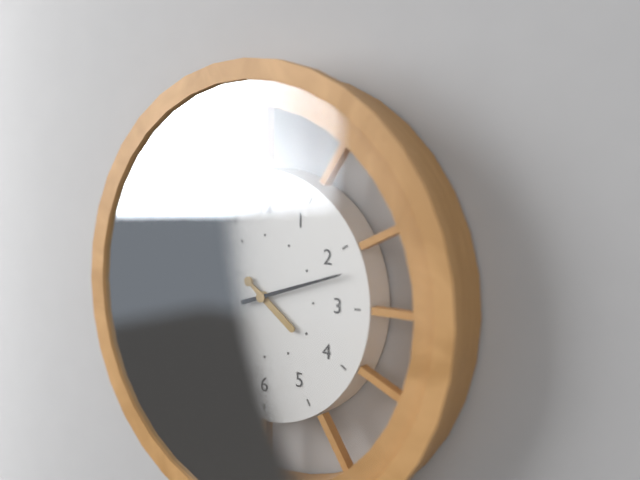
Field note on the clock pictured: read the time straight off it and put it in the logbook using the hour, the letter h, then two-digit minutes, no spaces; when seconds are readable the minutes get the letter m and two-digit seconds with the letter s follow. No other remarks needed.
4h12
